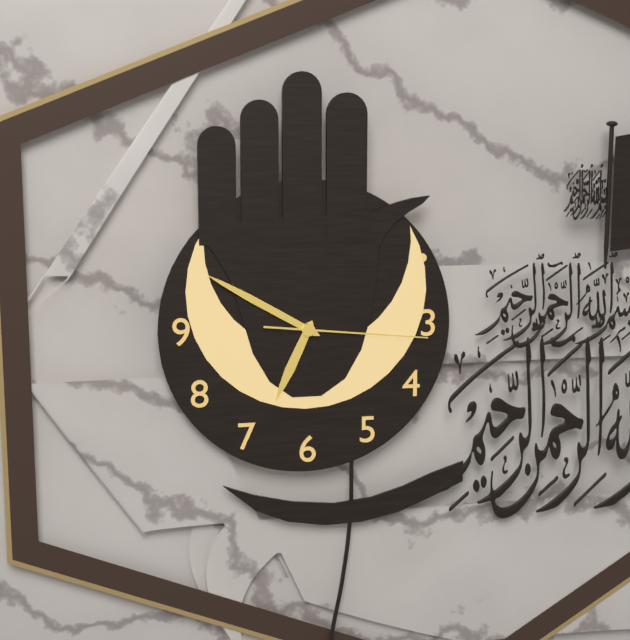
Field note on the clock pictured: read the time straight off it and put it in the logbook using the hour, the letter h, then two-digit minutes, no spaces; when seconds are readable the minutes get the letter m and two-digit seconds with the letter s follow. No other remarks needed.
6h50m16s
